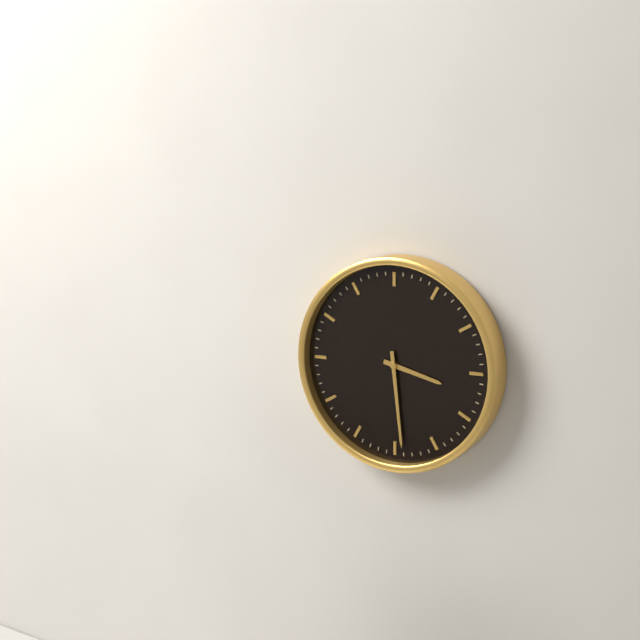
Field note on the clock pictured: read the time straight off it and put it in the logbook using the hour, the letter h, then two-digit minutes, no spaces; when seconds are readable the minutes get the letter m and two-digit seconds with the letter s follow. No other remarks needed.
3h29
